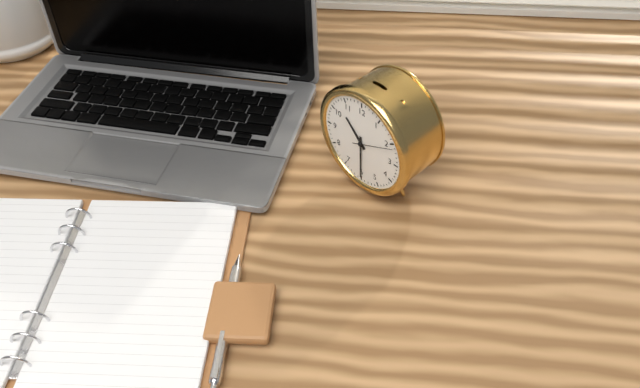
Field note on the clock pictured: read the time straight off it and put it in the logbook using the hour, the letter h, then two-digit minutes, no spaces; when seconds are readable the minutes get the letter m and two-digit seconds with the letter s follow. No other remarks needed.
10h30
